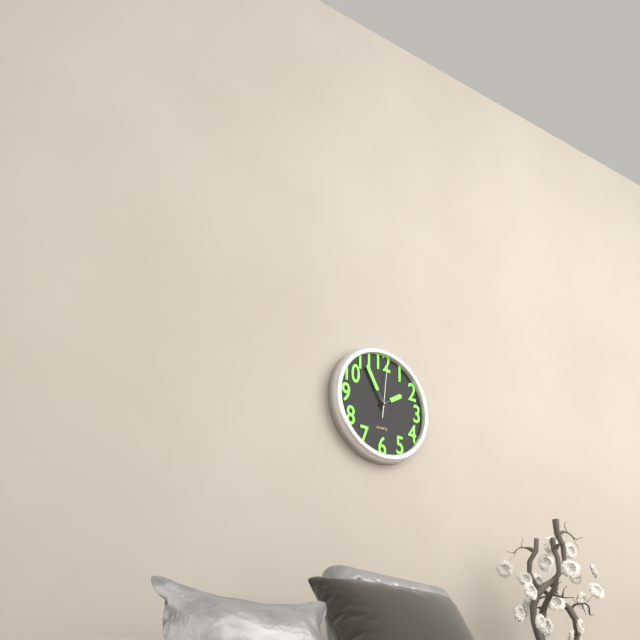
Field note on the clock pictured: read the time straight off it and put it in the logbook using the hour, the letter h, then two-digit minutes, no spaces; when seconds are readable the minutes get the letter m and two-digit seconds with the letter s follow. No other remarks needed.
1h55m01s
